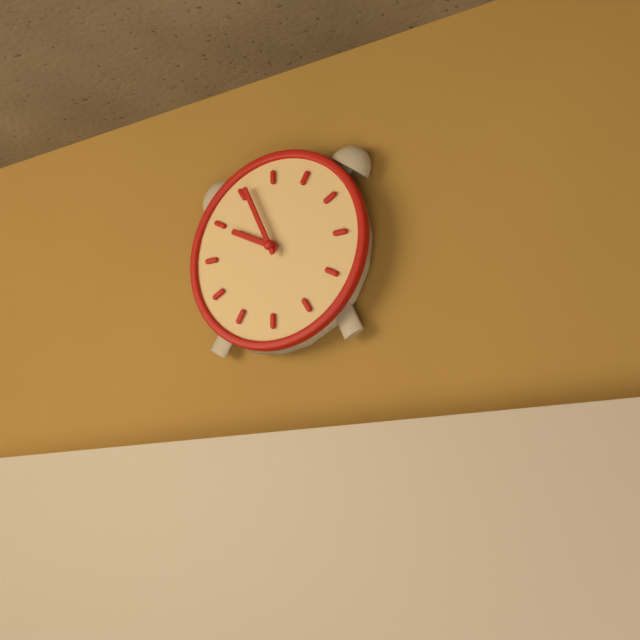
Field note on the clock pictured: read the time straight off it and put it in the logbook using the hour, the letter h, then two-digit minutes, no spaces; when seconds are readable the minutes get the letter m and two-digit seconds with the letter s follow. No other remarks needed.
9h56
